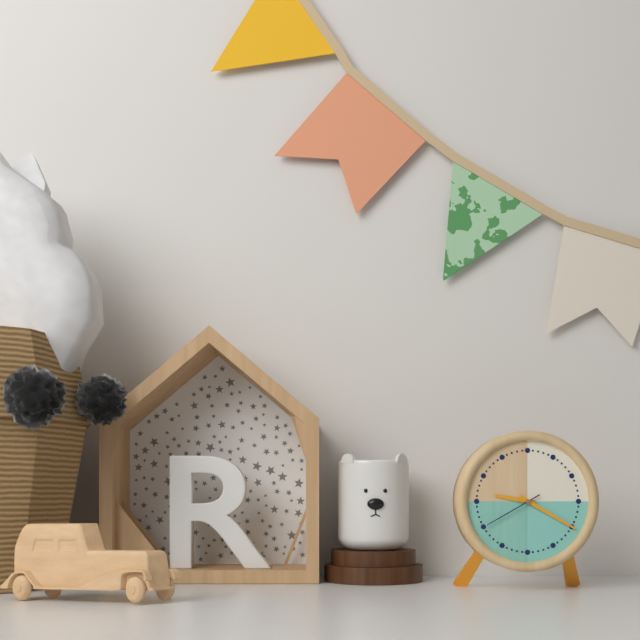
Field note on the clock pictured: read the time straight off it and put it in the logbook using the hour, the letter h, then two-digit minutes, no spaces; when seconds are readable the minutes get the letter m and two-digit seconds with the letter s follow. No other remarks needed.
9h20m40s
